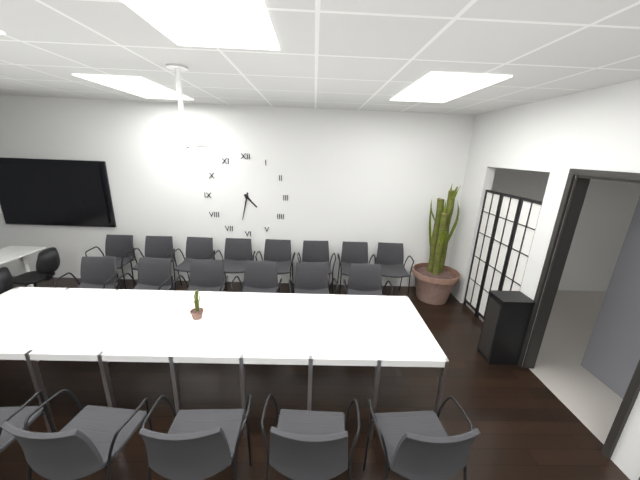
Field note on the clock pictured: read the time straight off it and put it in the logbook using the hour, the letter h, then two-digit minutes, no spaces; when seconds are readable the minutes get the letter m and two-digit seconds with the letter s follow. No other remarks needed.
4h32
